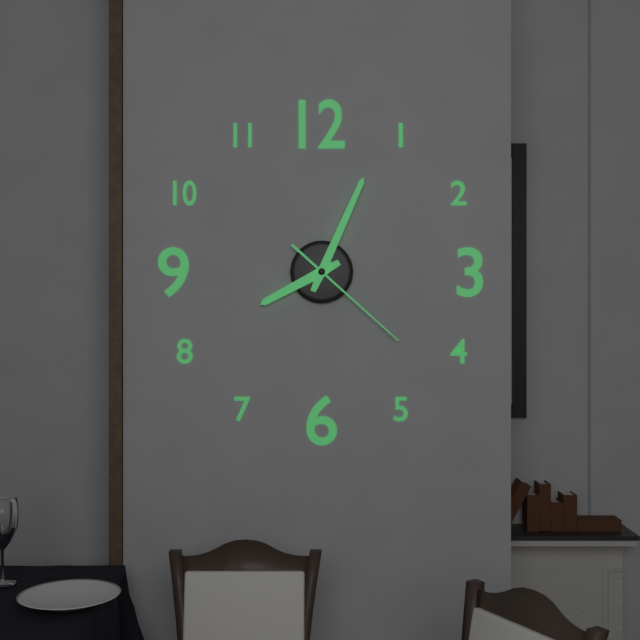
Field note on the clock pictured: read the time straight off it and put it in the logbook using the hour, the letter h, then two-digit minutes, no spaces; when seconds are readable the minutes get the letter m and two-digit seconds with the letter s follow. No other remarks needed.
8h04m22s
